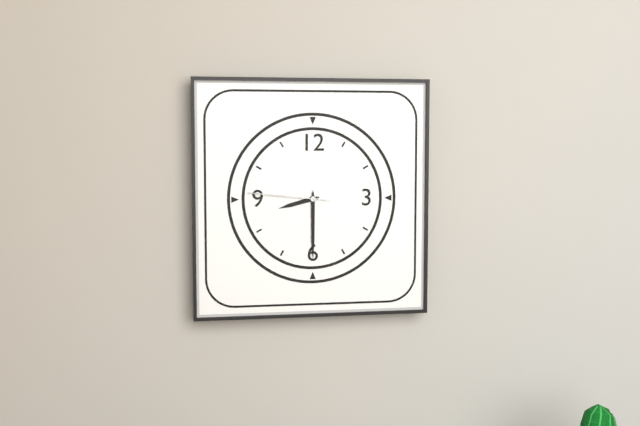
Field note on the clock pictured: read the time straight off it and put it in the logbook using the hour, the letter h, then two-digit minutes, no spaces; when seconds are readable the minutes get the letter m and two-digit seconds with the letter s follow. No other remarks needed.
8h30m46s
